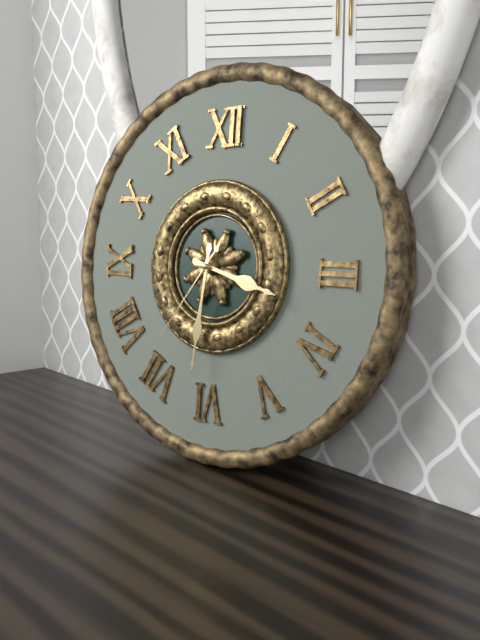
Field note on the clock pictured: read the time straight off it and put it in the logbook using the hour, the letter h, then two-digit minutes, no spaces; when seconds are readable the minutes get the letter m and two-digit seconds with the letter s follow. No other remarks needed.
3h31m36s
